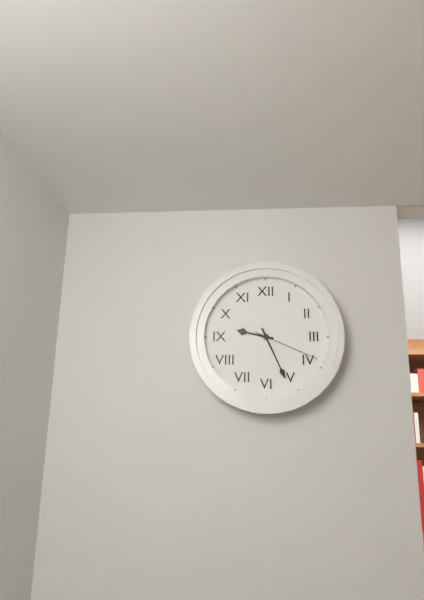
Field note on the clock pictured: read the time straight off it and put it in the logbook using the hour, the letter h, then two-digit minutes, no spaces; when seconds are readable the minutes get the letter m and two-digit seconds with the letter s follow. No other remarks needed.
9h26m19s
